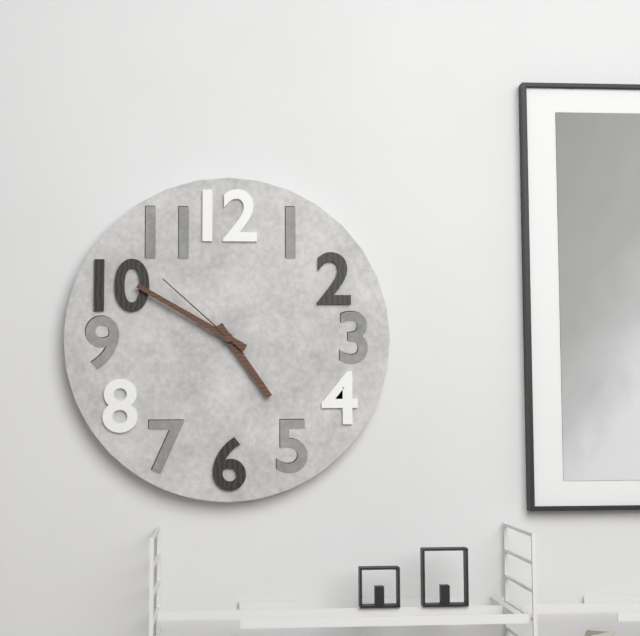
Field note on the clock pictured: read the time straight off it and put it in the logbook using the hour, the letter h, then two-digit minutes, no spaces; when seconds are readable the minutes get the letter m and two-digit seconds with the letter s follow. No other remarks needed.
4h50m52s
